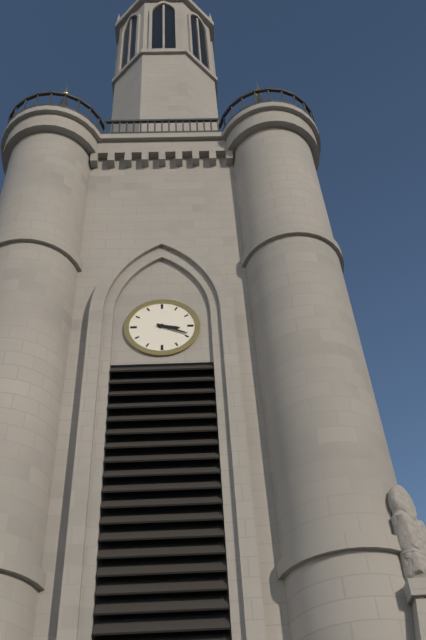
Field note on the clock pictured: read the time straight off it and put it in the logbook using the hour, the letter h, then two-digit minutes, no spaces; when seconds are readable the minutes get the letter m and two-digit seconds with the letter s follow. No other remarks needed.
3h19
